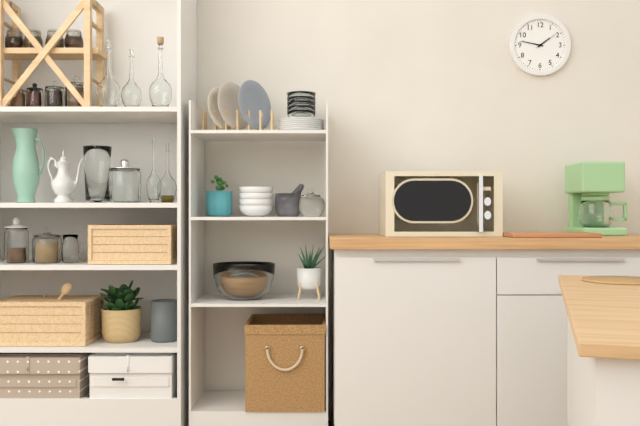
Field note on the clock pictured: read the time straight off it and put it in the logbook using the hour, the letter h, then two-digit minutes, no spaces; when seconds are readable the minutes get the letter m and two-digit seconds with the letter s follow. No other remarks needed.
1h47
